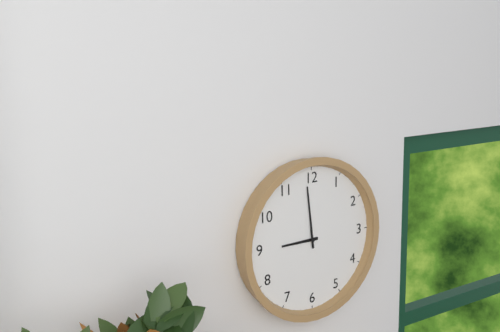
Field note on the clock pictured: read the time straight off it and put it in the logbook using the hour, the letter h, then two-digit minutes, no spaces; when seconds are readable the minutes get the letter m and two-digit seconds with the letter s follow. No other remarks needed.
8h59
